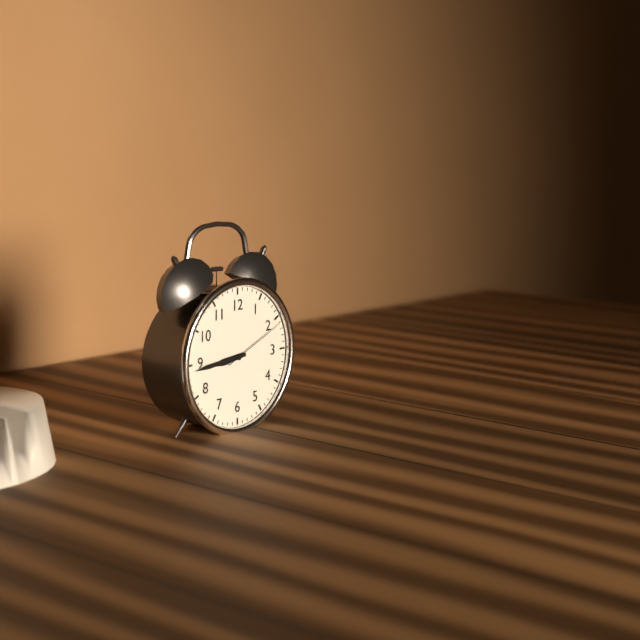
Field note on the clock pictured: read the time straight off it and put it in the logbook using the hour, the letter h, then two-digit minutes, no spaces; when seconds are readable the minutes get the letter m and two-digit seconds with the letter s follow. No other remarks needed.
8h44m11s
